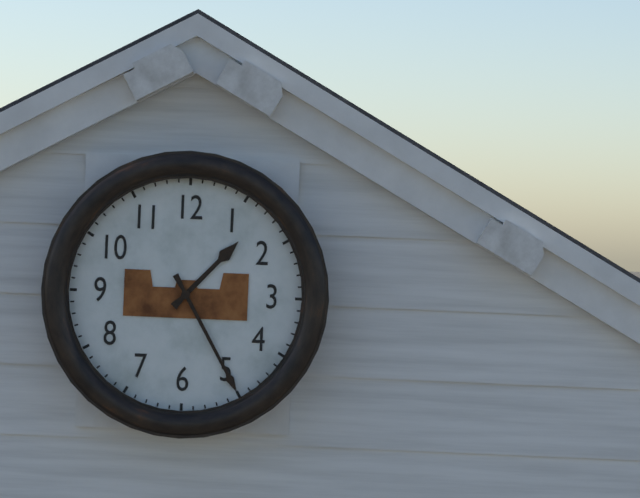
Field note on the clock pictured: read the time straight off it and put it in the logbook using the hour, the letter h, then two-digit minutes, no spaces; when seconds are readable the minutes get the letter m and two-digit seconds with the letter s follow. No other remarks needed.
1h25
